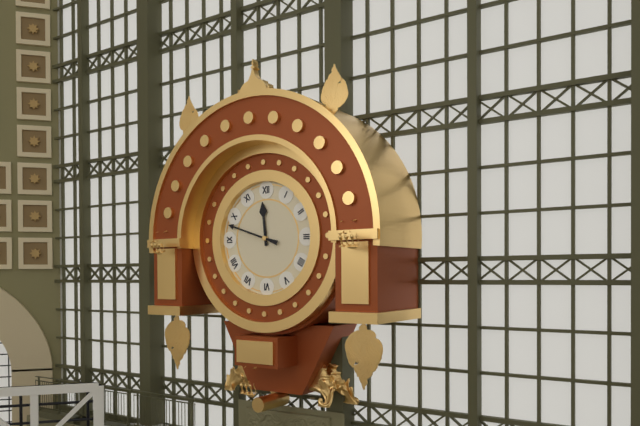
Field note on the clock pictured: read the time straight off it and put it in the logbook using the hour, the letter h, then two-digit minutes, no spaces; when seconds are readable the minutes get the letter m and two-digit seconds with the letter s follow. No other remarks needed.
11h48
